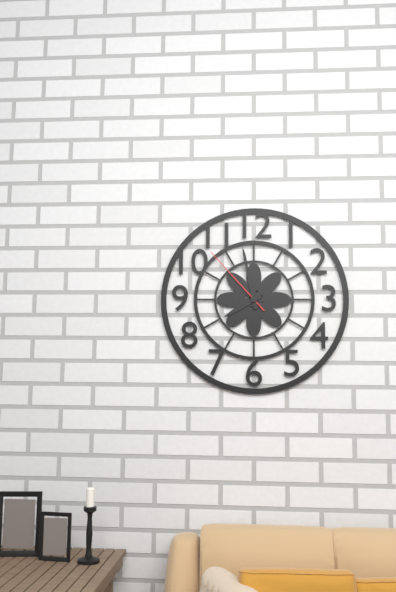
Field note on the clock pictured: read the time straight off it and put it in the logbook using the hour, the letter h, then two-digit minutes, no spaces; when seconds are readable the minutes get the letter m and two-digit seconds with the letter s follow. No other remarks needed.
7h58m53s
